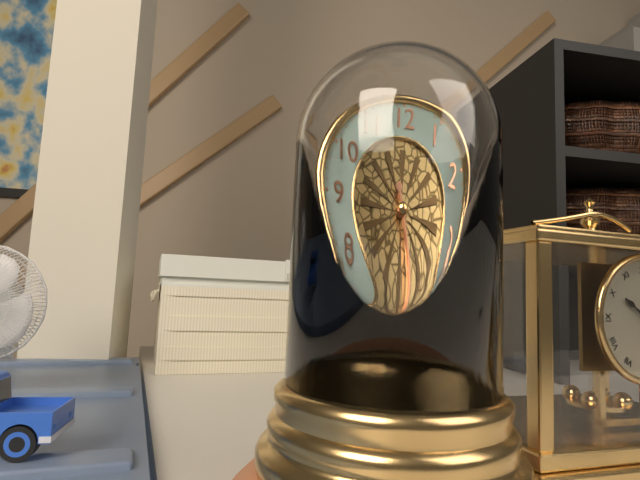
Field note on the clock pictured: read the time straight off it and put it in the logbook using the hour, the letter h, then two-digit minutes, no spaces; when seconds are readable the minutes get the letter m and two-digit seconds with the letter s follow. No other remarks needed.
5h27
